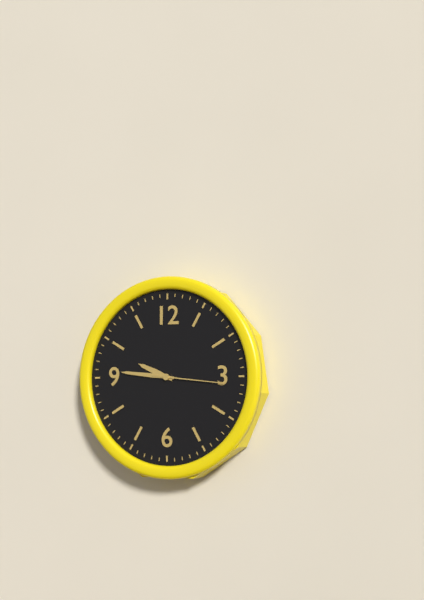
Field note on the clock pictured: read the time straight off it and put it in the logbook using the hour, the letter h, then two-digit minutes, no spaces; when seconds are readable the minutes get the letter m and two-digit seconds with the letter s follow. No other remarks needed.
9h46m16s
